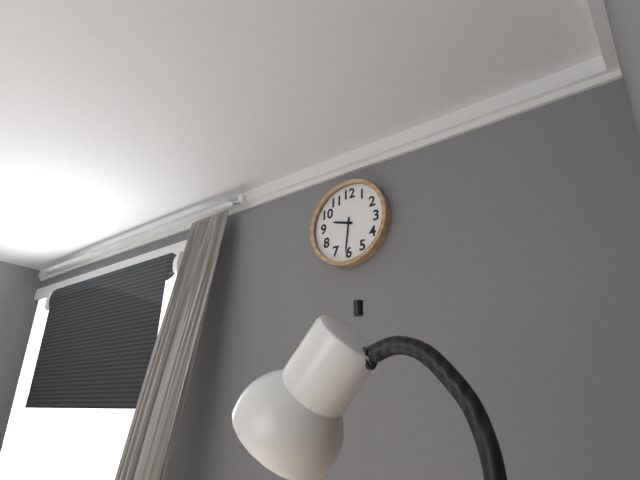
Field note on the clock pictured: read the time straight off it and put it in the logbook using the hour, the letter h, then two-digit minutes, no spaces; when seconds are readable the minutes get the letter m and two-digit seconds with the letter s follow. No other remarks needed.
9h31
